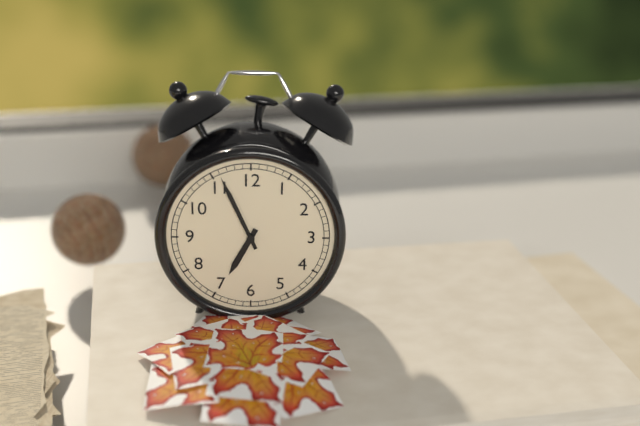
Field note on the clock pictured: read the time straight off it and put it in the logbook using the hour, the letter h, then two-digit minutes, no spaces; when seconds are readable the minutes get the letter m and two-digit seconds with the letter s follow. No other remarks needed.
6h56
